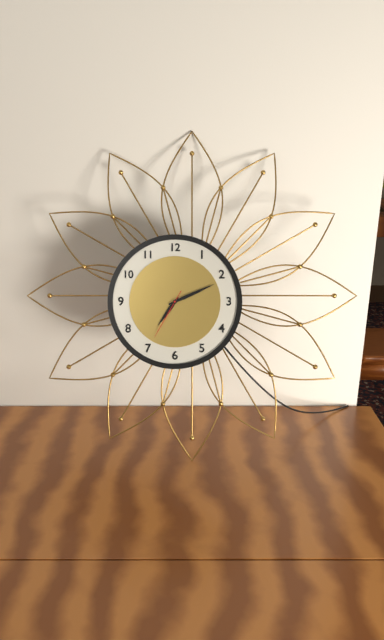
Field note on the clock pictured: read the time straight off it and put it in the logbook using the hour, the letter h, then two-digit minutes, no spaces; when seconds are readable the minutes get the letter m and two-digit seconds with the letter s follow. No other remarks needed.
7h11m35s
